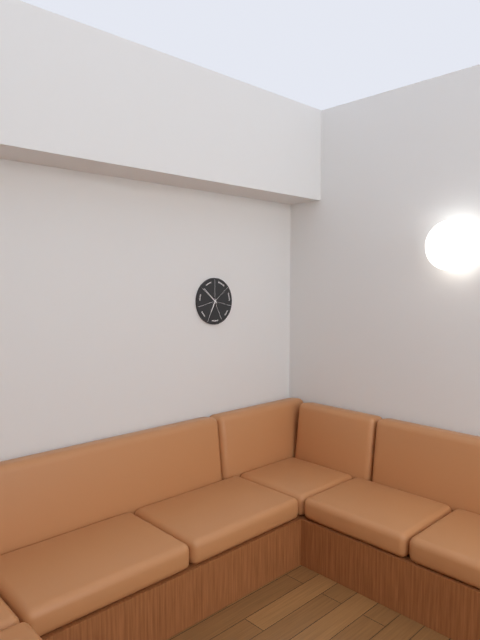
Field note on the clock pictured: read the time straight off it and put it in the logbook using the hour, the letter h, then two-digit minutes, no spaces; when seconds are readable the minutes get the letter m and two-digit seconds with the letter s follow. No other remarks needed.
6h52
